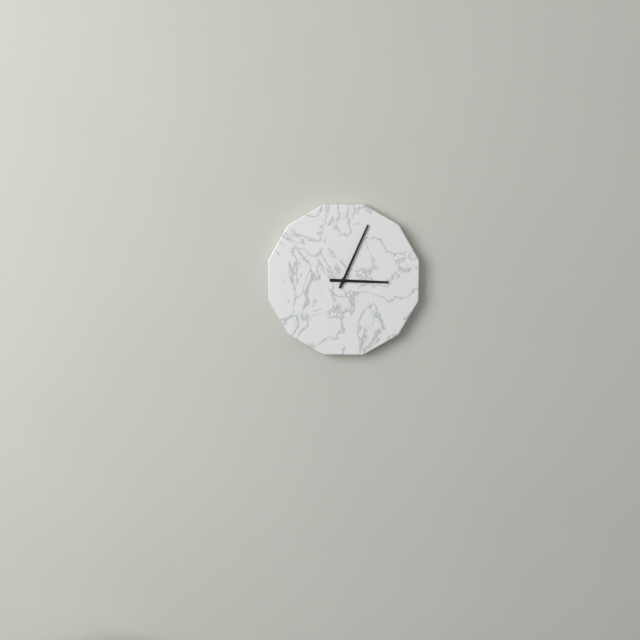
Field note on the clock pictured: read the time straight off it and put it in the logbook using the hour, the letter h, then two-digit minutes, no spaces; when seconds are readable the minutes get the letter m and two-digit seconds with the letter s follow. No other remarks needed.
3h04
